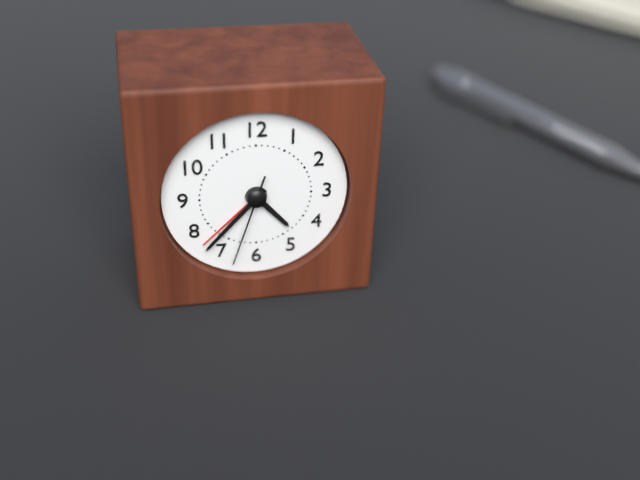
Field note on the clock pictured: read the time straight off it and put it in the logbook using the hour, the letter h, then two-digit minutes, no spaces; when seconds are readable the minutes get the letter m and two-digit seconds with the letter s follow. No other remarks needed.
4h37m33s
